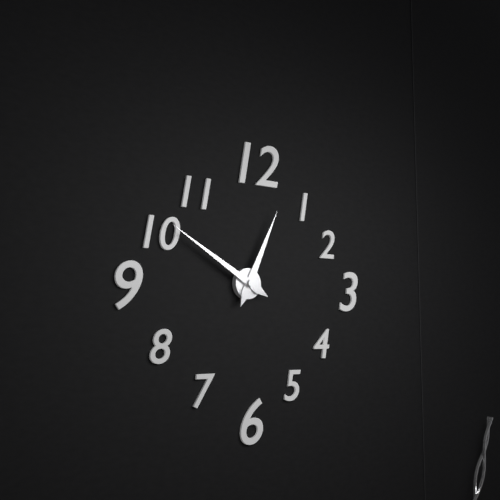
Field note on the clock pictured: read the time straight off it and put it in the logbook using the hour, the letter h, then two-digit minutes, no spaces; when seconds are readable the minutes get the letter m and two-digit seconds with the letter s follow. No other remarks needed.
12h50
